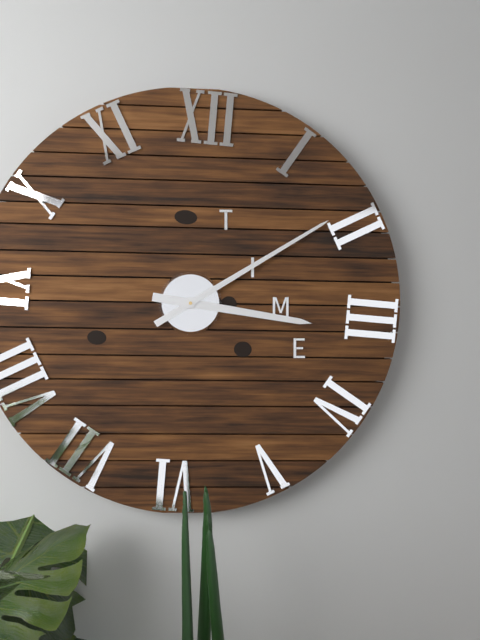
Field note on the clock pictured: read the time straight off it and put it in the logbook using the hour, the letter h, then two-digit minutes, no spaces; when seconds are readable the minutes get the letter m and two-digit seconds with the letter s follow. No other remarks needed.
3h09
